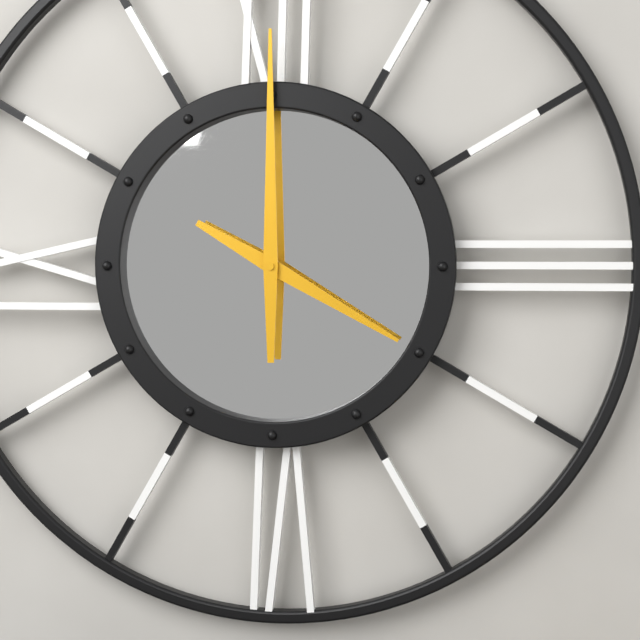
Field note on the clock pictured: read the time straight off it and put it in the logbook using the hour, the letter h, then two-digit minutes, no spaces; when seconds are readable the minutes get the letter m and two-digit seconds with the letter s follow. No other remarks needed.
4h00
